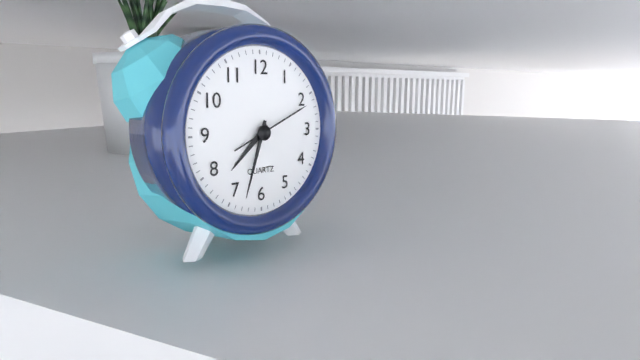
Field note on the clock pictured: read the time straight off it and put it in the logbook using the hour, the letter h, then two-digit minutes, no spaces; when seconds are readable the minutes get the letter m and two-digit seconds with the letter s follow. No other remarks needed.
7h33m11s
